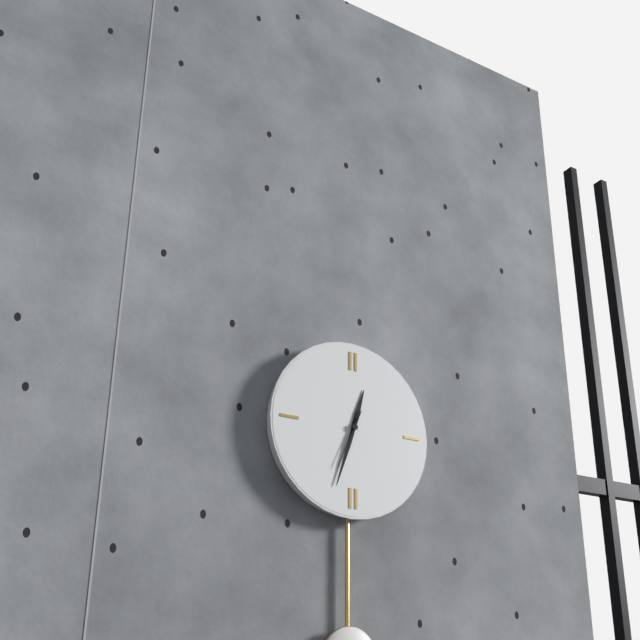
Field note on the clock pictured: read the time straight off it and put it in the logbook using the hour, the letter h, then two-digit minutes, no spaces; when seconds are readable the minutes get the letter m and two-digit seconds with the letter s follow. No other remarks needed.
12h33m34s
